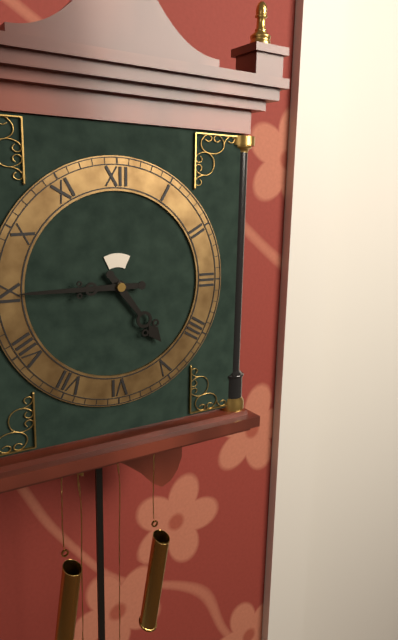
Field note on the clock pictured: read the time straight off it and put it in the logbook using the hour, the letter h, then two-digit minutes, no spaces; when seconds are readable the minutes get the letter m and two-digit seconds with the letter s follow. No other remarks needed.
4h45
